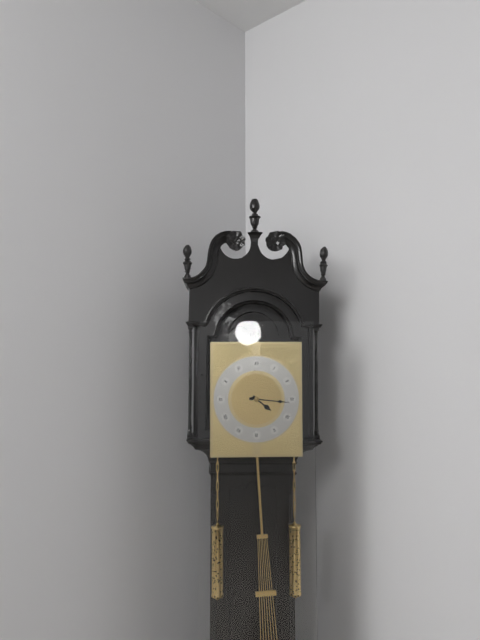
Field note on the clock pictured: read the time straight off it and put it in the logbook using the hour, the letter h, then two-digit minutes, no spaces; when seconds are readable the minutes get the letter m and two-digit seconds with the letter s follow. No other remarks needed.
4h16
